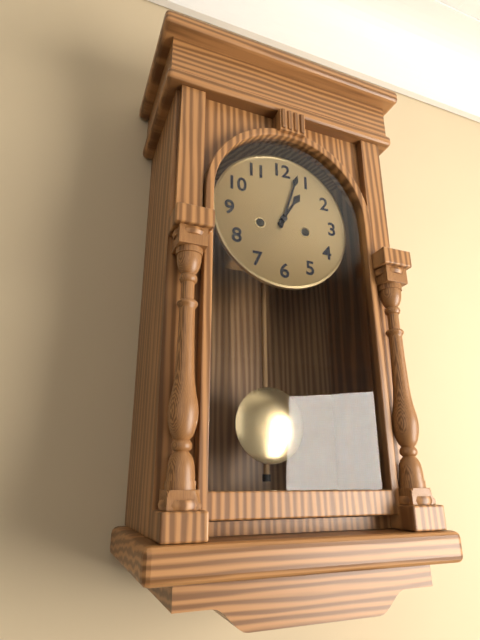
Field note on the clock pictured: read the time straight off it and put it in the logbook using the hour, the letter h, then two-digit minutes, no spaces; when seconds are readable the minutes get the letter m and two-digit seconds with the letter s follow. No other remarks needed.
1h03
